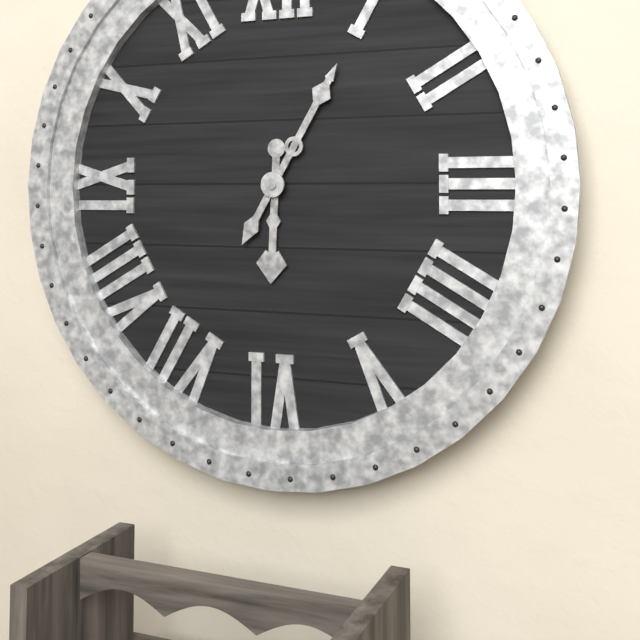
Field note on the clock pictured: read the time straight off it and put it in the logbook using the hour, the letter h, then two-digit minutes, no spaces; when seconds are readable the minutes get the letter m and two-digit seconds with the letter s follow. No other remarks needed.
6h05
